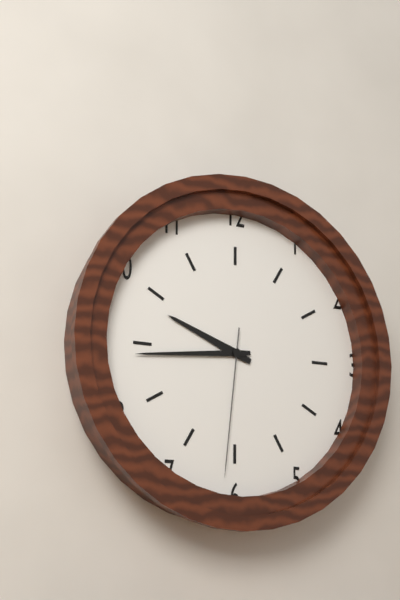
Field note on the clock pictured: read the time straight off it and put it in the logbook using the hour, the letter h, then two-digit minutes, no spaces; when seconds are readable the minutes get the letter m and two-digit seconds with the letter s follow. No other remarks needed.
9h44m31s
